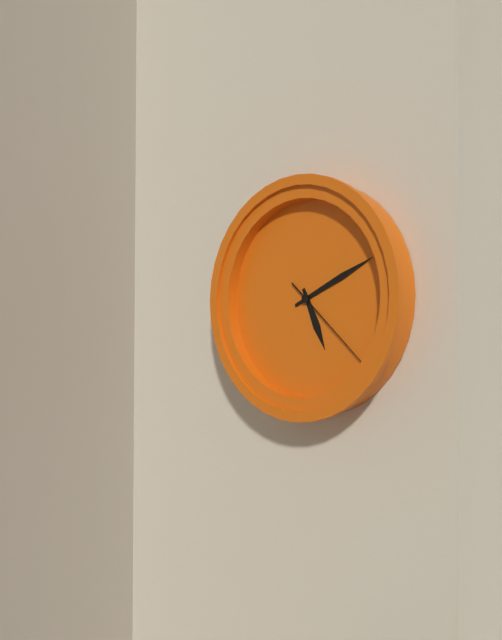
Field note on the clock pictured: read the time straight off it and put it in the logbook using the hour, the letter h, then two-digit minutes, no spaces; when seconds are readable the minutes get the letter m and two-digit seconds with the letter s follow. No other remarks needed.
5h11m22s
